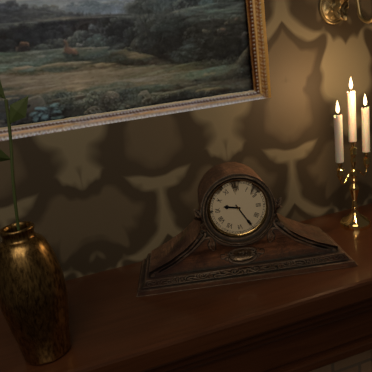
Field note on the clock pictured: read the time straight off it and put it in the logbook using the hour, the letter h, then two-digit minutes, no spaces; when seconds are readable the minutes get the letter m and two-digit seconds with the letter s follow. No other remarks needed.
9h25
